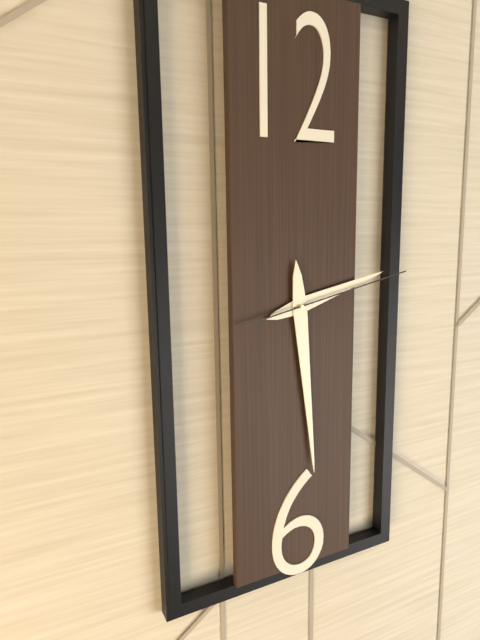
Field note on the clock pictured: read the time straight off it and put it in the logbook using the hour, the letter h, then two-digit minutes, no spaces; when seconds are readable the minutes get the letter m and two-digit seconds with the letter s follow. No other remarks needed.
2h29m13s
